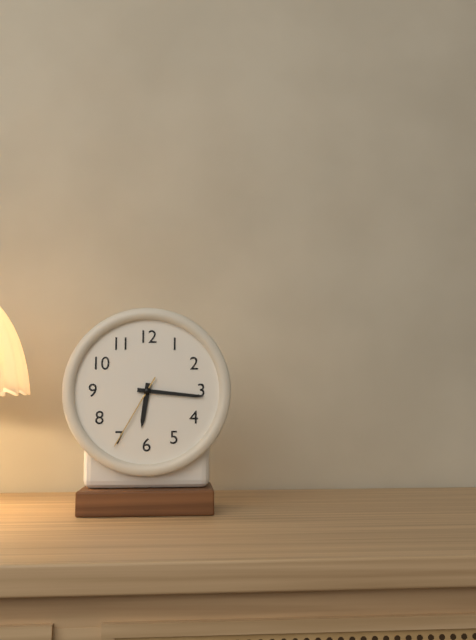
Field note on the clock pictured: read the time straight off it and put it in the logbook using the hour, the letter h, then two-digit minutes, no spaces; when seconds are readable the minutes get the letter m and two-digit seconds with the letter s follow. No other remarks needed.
6h16m35s
